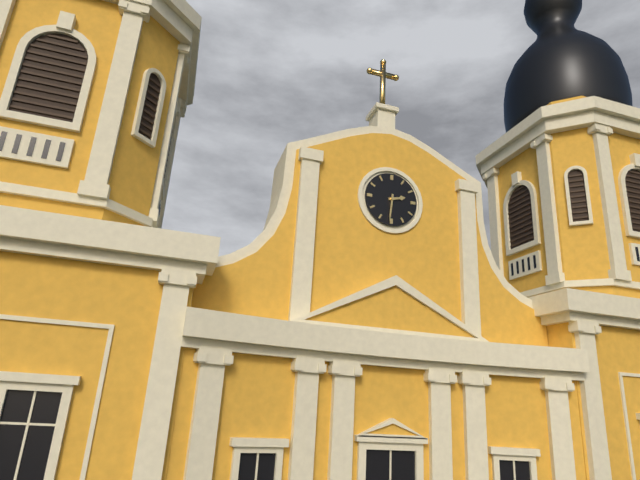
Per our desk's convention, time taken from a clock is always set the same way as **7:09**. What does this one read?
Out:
**2:31**
